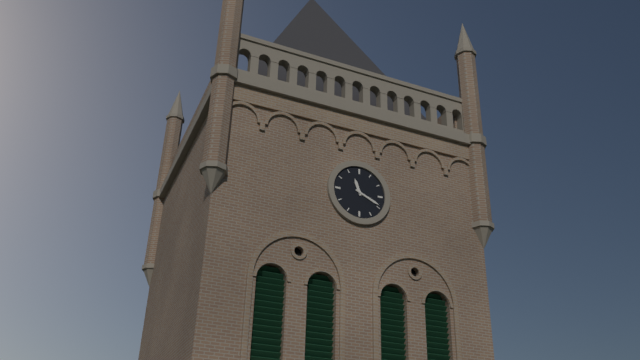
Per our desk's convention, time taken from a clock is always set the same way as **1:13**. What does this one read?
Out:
**11:19**
